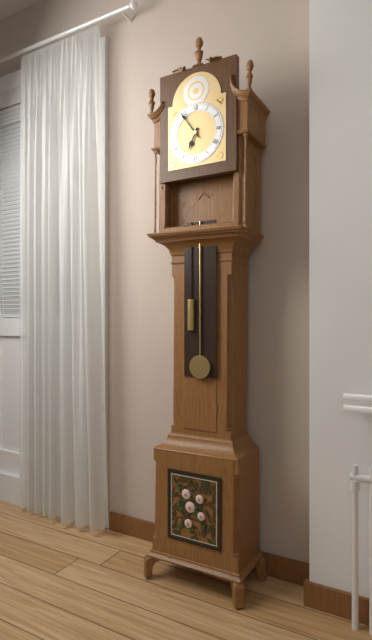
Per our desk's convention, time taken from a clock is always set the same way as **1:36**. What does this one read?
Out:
**6:54**
